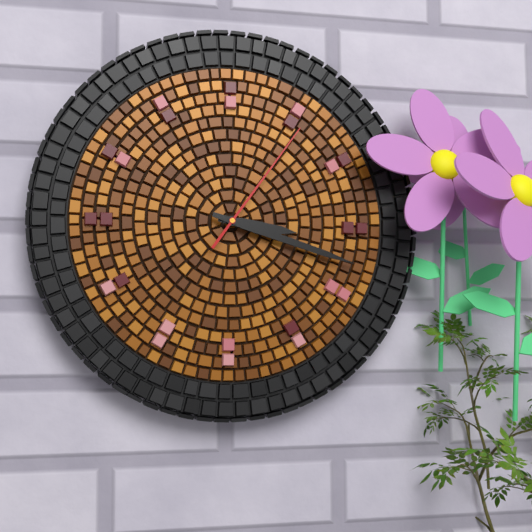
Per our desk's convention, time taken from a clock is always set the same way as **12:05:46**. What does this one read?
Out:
**3:18:06**
